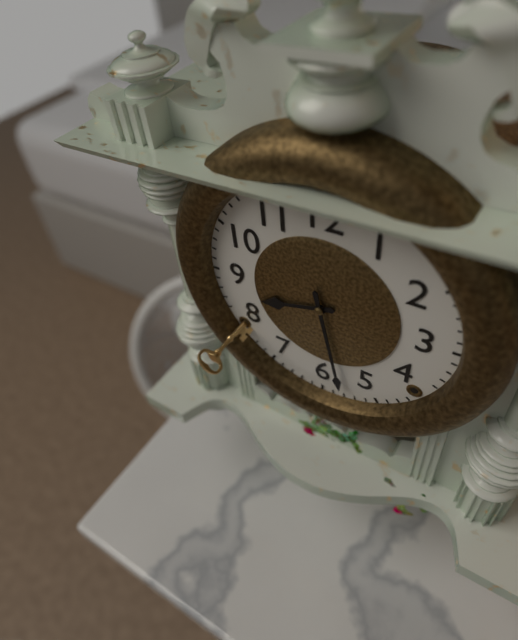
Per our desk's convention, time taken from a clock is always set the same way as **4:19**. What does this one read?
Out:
**8:28**
